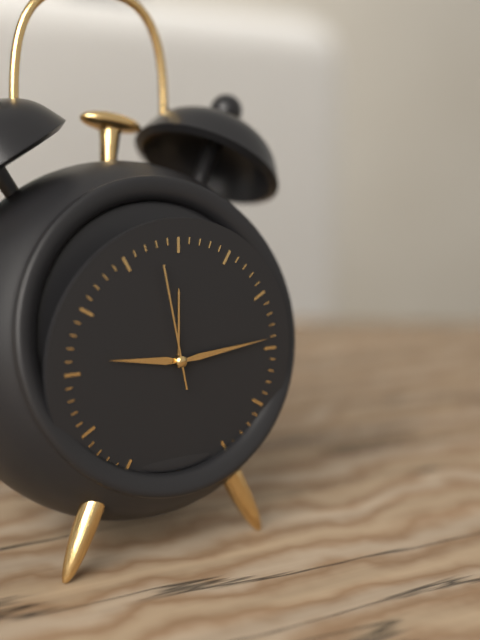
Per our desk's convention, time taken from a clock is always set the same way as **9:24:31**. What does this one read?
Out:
**9:14:58**
